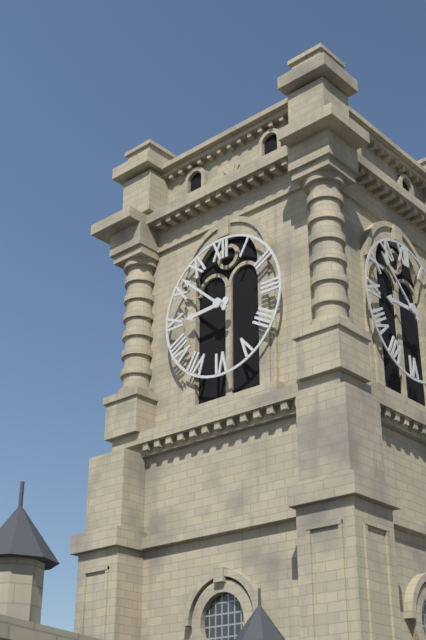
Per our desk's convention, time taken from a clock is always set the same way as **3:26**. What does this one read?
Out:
**8:52**
